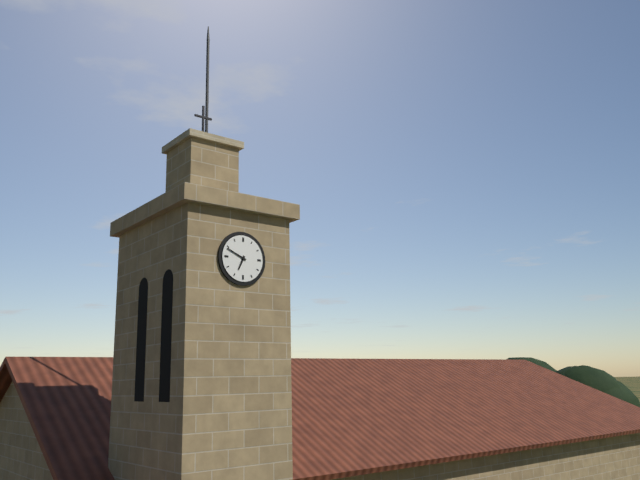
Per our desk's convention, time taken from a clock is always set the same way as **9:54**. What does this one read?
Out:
**6:49**
